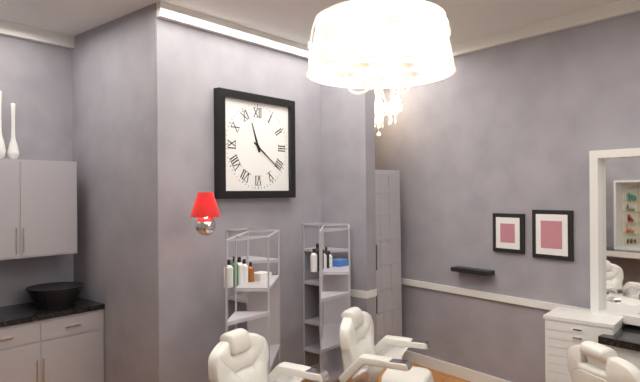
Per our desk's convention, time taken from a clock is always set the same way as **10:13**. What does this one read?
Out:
**11:21**
